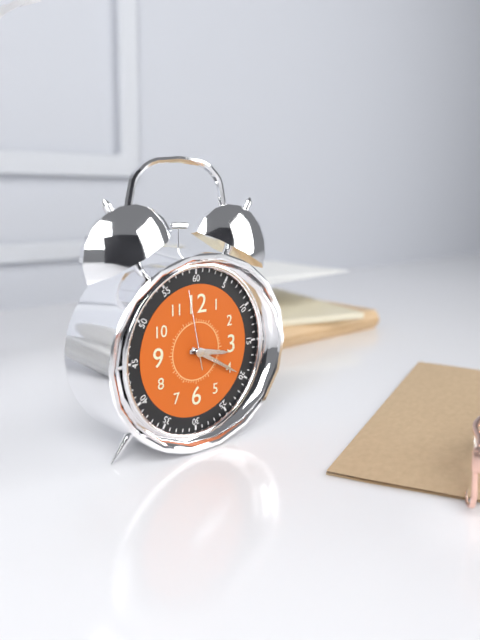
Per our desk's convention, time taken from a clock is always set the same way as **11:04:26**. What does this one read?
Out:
**3:20:58**
